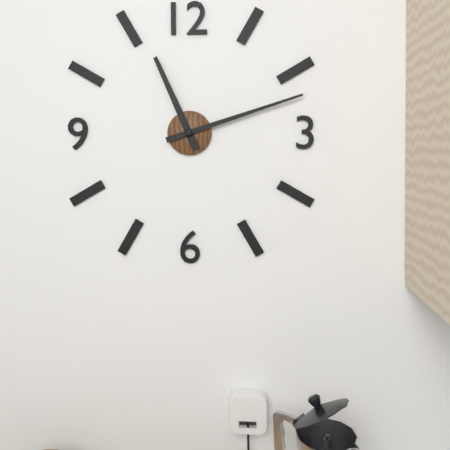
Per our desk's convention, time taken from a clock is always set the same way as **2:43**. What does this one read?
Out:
**11:12**
